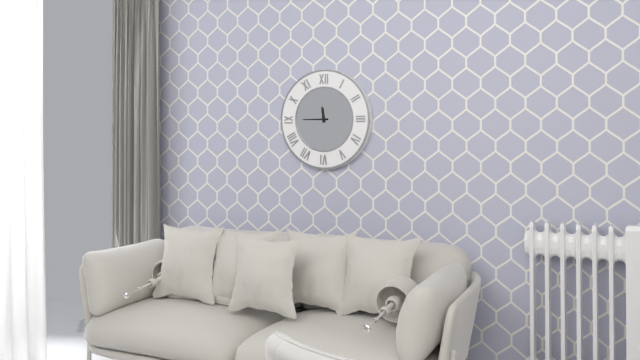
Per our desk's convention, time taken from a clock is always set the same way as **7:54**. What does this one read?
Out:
**11:45**
